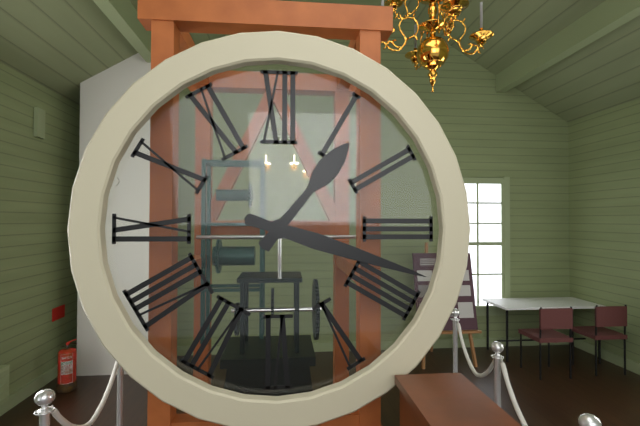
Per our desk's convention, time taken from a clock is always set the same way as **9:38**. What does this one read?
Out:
**1:18**
